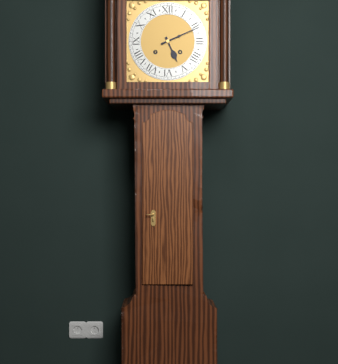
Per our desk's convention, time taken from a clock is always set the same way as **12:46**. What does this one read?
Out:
**5:11**
